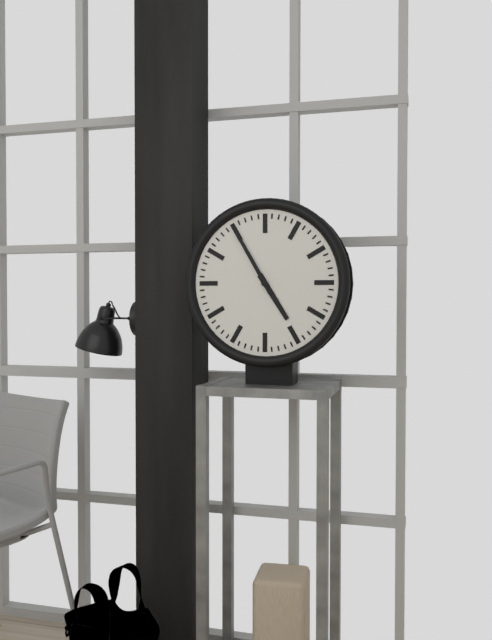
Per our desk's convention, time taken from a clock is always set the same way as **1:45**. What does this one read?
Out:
**4:55**
